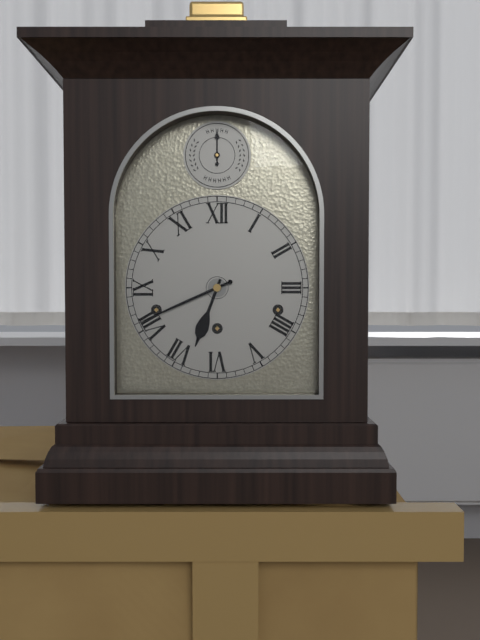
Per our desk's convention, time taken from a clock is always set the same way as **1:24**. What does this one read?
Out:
**6:41**
